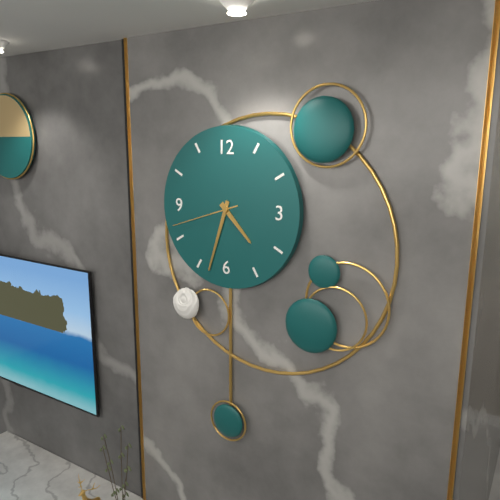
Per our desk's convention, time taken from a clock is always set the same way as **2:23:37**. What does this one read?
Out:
**4:33:42**
